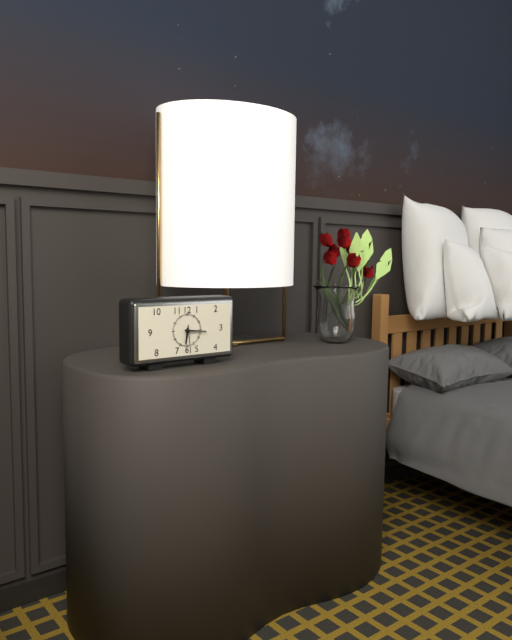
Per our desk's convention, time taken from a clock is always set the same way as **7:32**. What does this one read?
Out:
**6:16**
